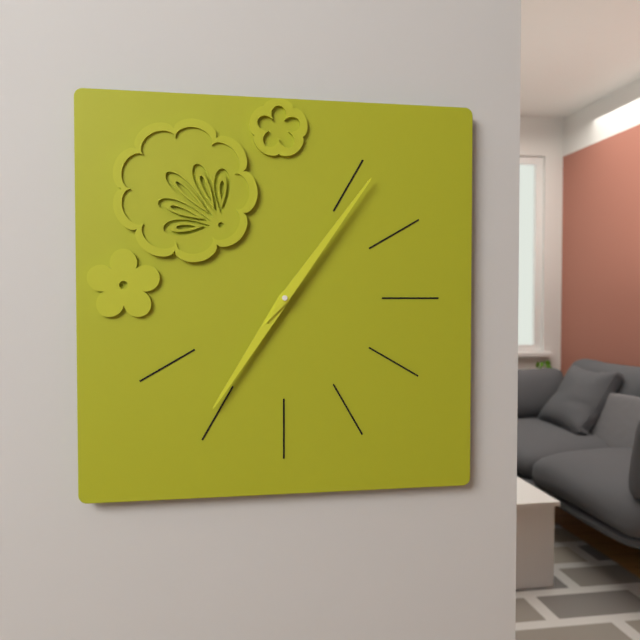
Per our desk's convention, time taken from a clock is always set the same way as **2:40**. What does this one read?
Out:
**7:06**
